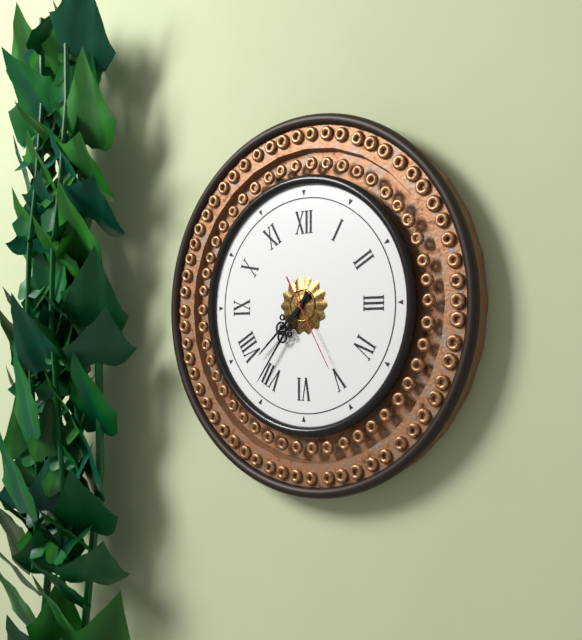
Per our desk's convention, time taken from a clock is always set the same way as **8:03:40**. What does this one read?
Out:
**7:36:25**
